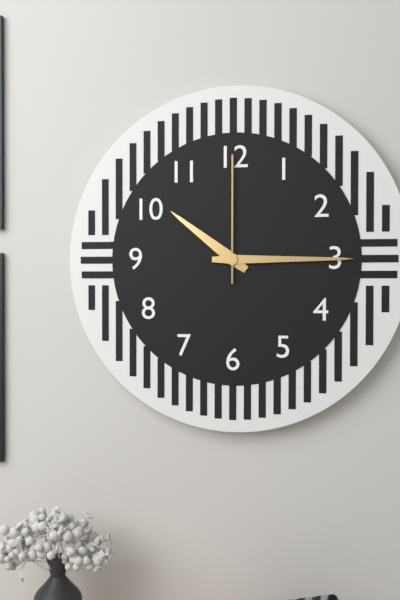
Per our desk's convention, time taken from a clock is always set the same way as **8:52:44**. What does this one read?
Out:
**10:15:00**
